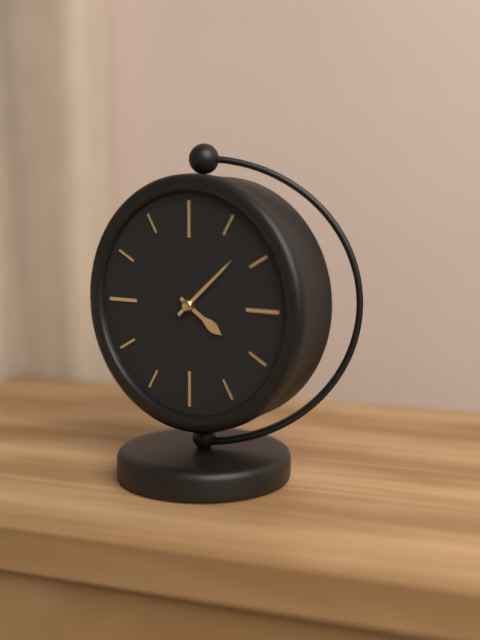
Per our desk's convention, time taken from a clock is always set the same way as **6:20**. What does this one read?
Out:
**4:08**
